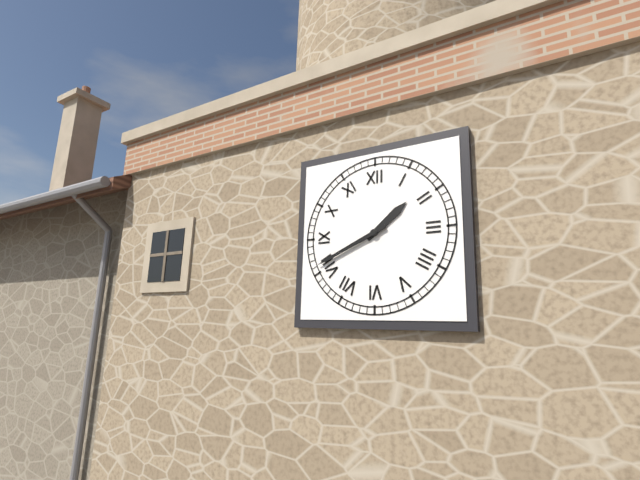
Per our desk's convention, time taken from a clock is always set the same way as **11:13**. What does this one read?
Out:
**1:41**
